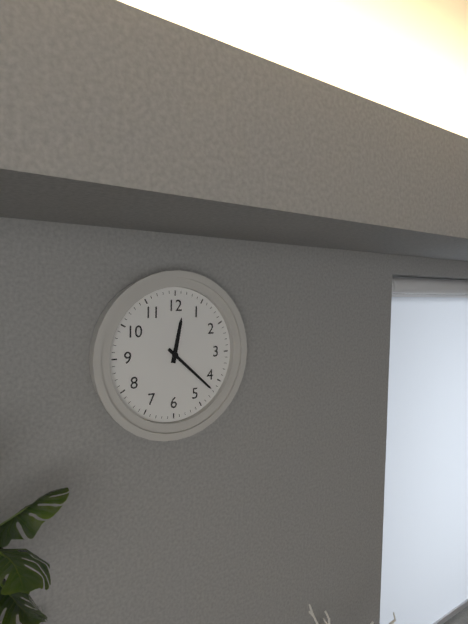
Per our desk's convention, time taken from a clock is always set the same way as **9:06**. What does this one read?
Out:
**12:22**
